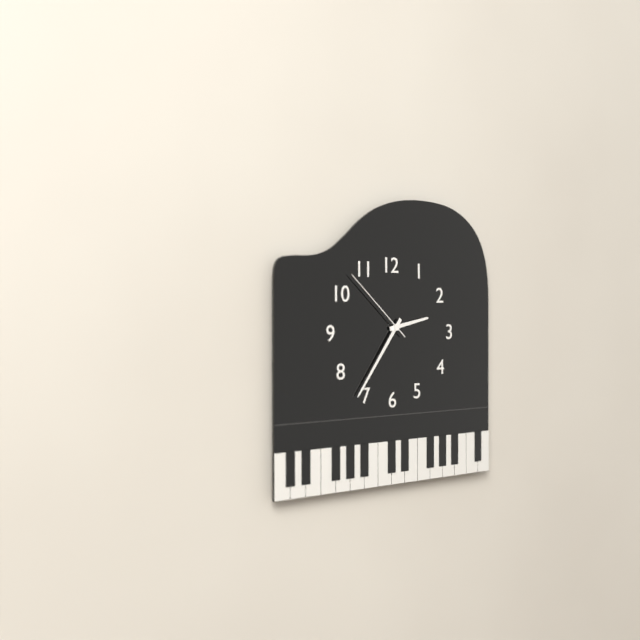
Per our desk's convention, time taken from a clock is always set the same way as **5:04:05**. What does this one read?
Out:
**2:36:52**
